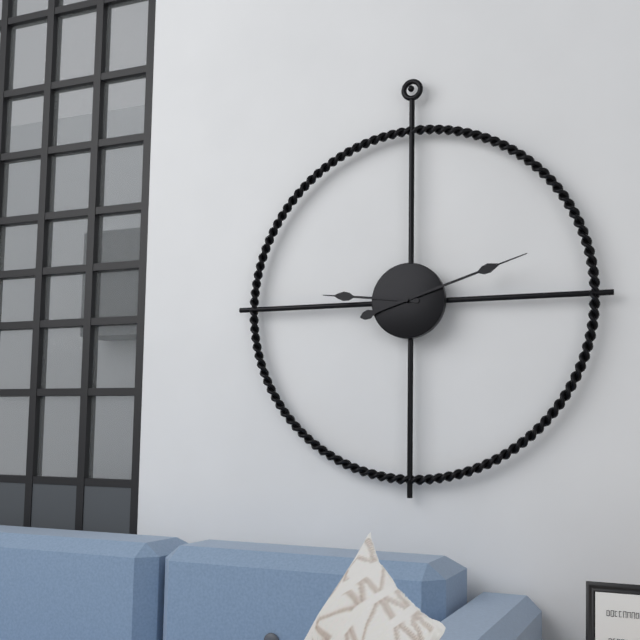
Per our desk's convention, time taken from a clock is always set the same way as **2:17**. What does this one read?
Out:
**9:12**
